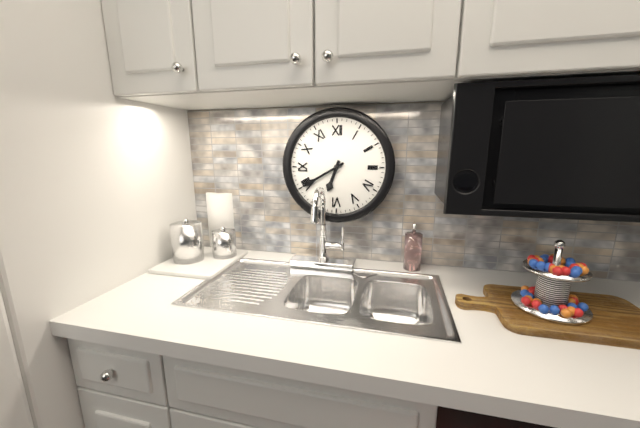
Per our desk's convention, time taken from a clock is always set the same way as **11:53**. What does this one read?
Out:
**6:40**
